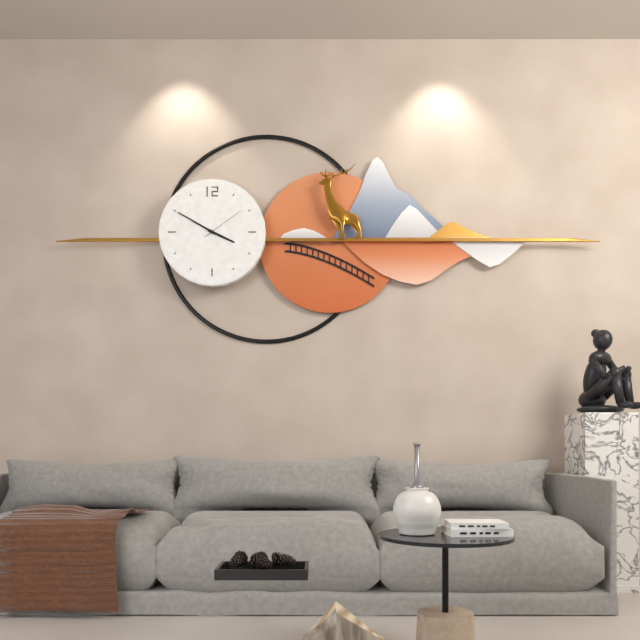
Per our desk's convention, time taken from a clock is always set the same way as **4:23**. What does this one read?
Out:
**3:50**
